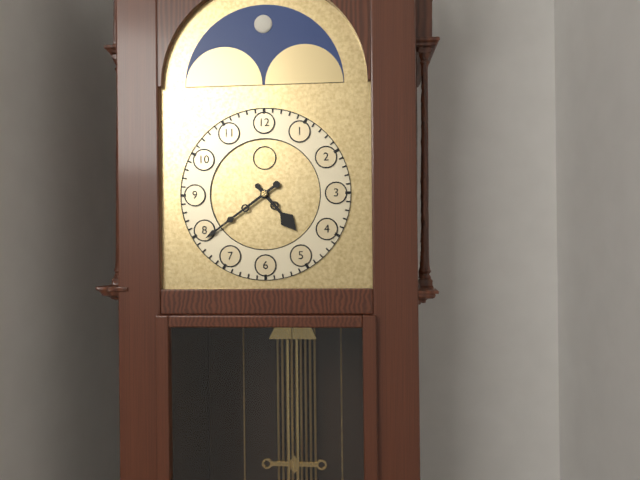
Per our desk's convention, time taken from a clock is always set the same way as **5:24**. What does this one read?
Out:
**4:39**
